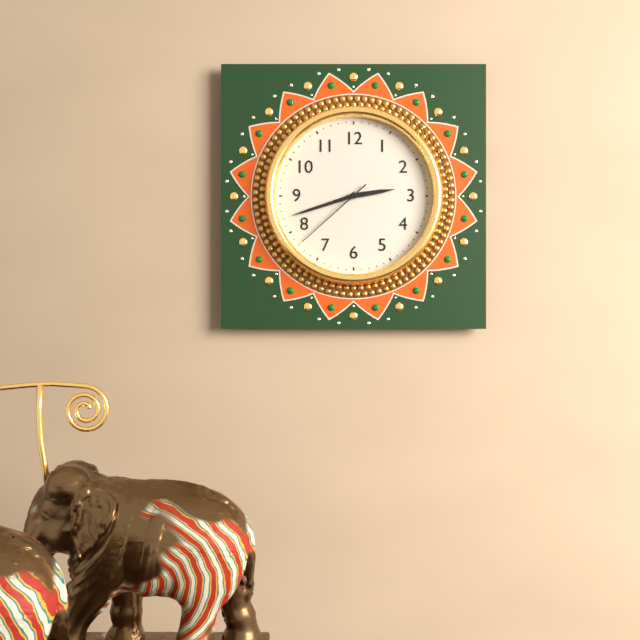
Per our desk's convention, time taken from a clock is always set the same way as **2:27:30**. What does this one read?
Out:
**2:42:38**
